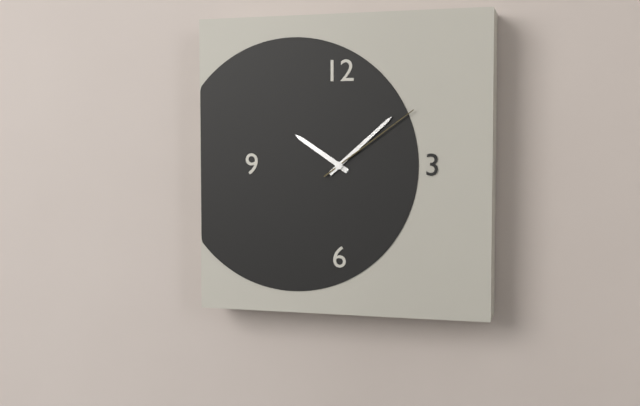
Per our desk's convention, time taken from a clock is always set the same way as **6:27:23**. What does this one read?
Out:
**10:08:09**
